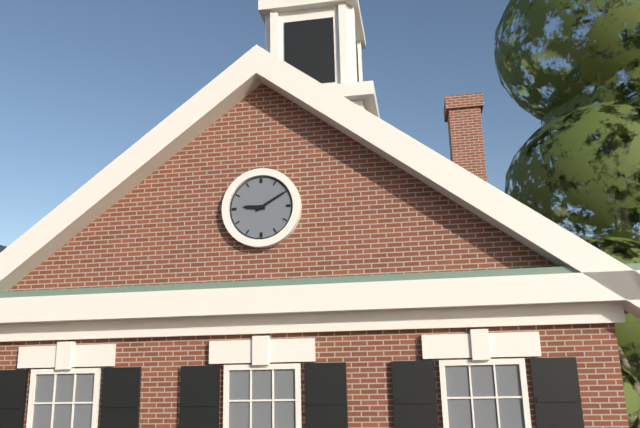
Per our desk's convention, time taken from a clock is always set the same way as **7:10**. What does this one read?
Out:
**9:10**
